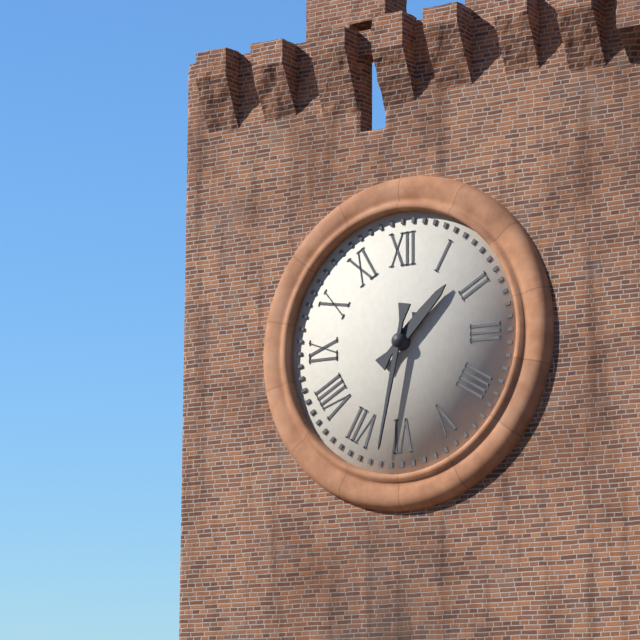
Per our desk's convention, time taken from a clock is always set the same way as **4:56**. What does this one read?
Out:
**1:32**
